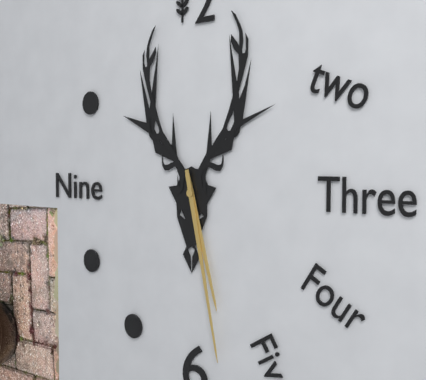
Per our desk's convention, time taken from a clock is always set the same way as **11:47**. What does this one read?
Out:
**5:28**
